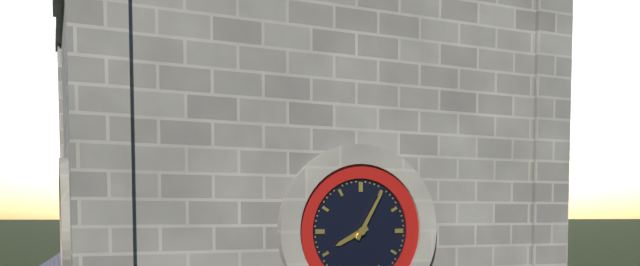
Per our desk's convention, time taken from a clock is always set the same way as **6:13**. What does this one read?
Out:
**8:05**
